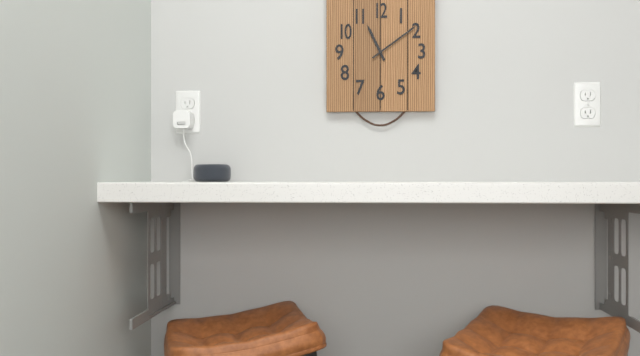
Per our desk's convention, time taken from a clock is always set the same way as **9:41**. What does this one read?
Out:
**11:09**
